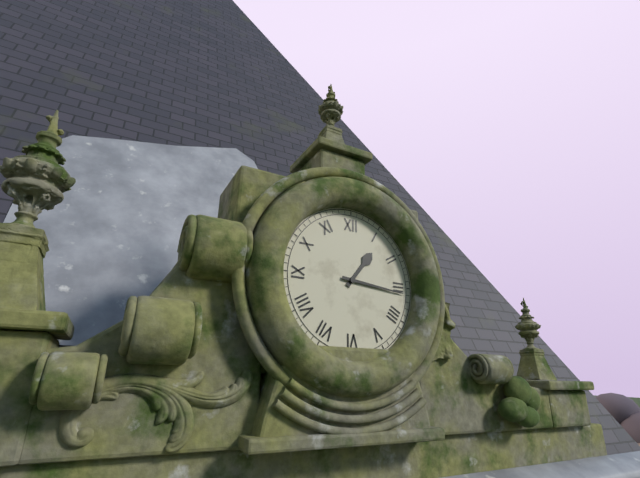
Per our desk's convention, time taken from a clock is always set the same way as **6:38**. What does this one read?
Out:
**1:16**
